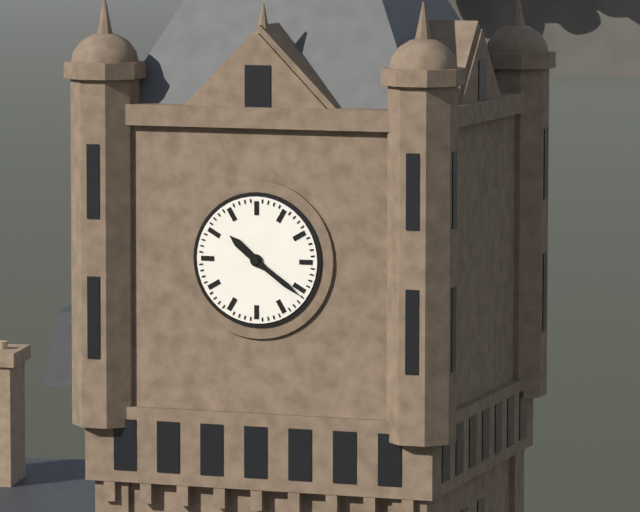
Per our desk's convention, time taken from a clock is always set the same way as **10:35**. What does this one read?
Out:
**10:21**
